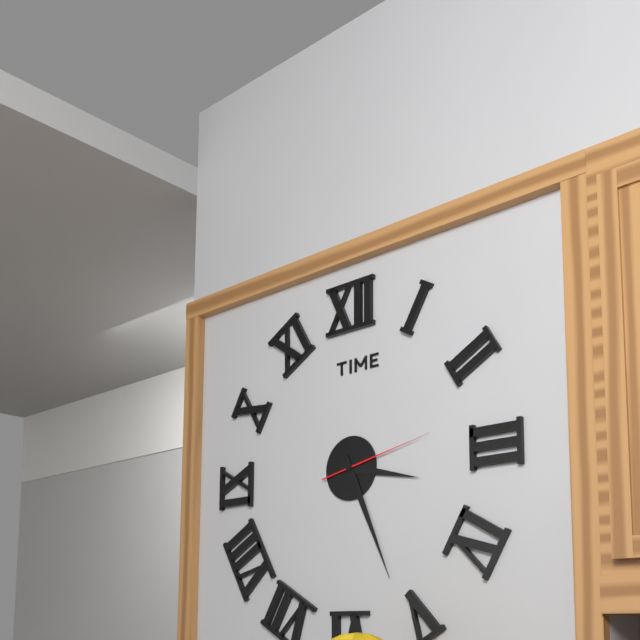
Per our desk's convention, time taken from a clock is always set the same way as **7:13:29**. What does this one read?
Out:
**3:26:13**
